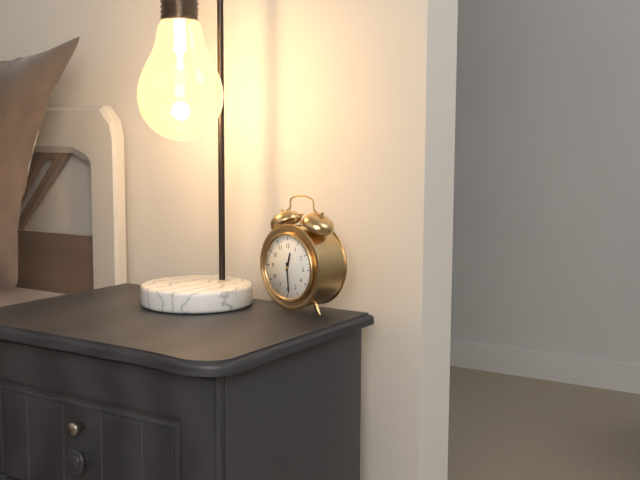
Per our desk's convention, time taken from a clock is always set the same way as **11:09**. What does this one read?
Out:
**12:29**
